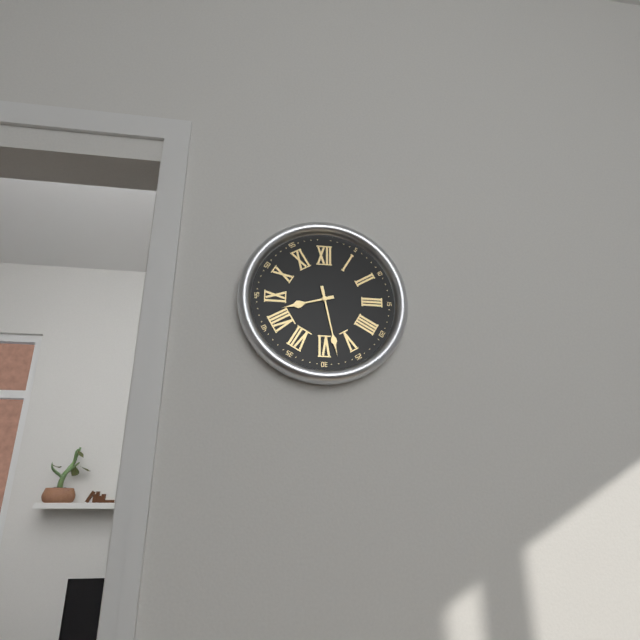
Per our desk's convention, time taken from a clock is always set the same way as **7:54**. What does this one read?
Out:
**8:28**
